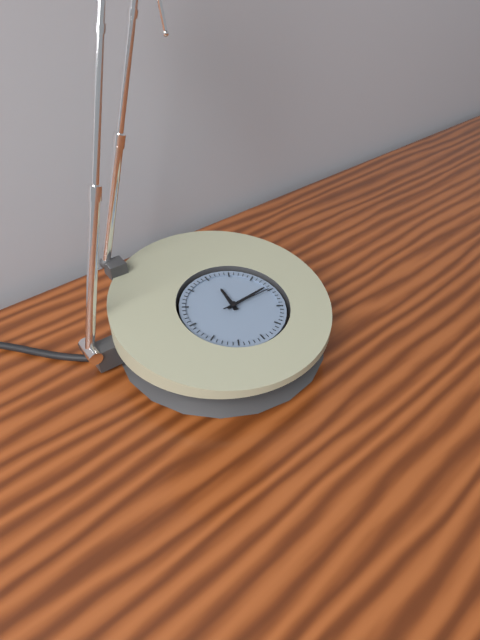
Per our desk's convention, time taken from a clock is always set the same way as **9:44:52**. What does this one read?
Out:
**12:14:15**
